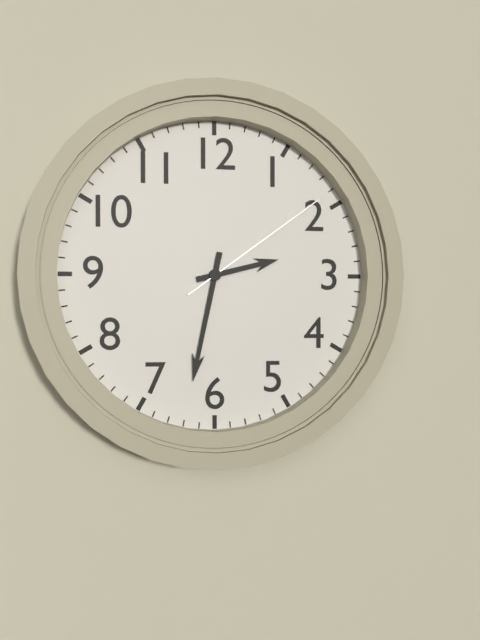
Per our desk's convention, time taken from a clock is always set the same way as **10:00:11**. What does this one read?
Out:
**2:32:09**
